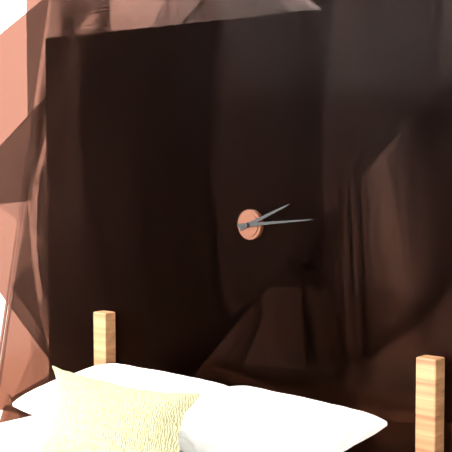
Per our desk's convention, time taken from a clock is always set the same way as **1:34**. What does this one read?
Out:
**2:14**
